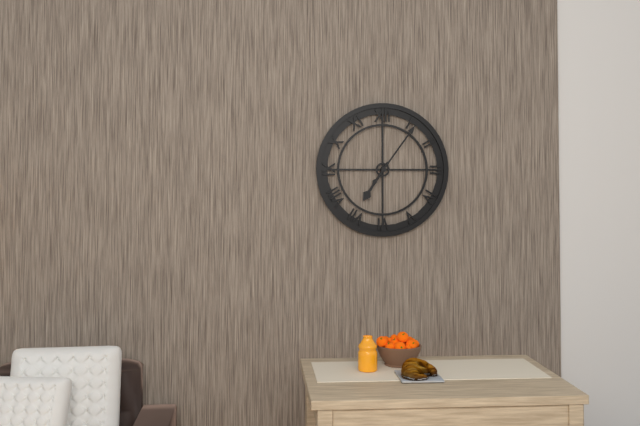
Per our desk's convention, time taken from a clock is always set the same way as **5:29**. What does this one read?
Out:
**7:06**
